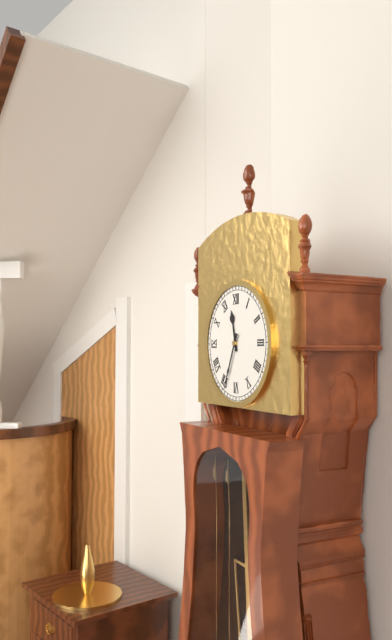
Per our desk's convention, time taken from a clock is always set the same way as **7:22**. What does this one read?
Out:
**11:34**
